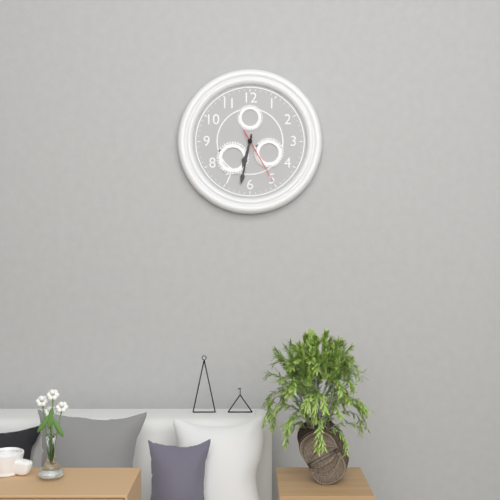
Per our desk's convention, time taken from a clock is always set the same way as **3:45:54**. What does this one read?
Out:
**6:32:25**
